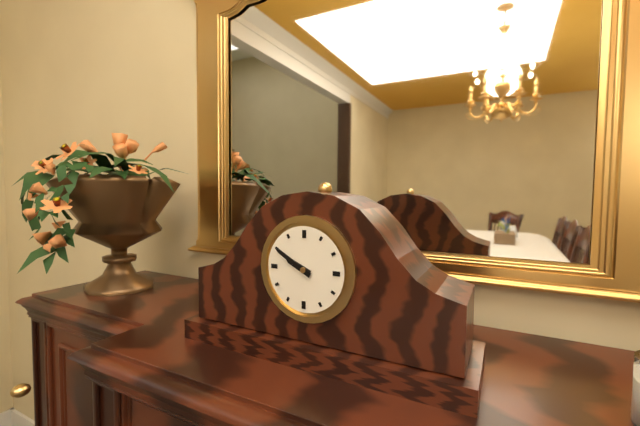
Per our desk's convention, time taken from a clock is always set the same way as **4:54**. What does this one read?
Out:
**9:50**
